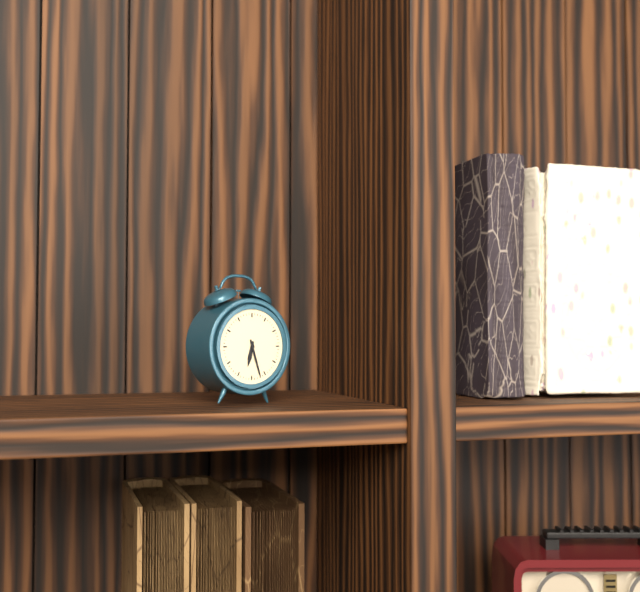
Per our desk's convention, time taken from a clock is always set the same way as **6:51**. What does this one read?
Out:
**6:27**
